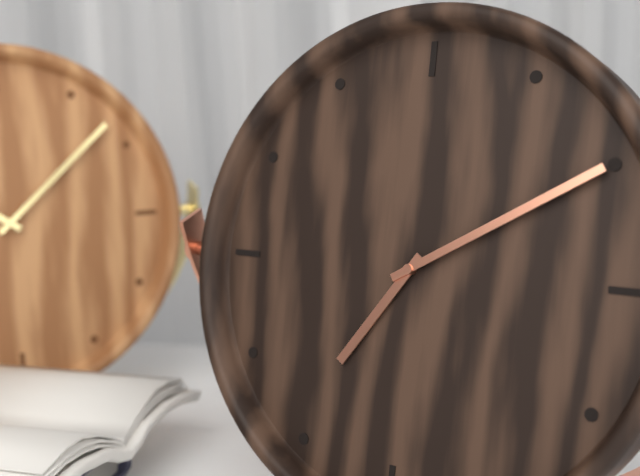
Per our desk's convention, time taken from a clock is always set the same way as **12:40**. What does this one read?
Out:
**7:10**
